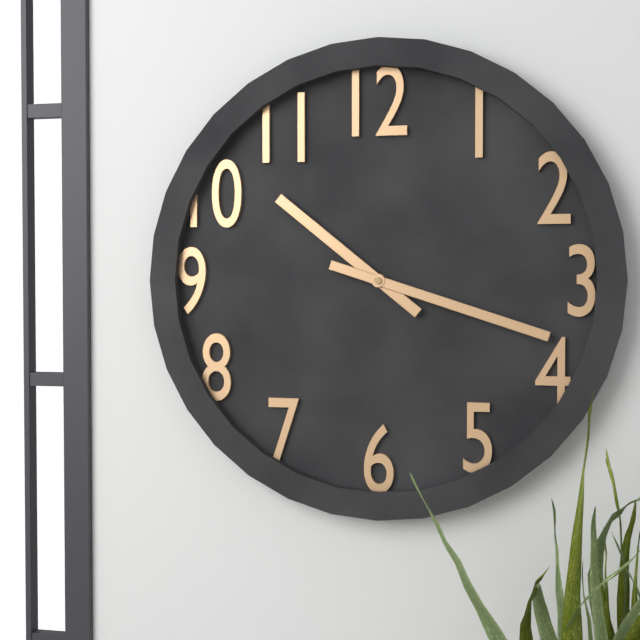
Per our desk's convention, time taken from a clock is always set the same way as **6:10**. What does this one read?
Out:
**10:18**
